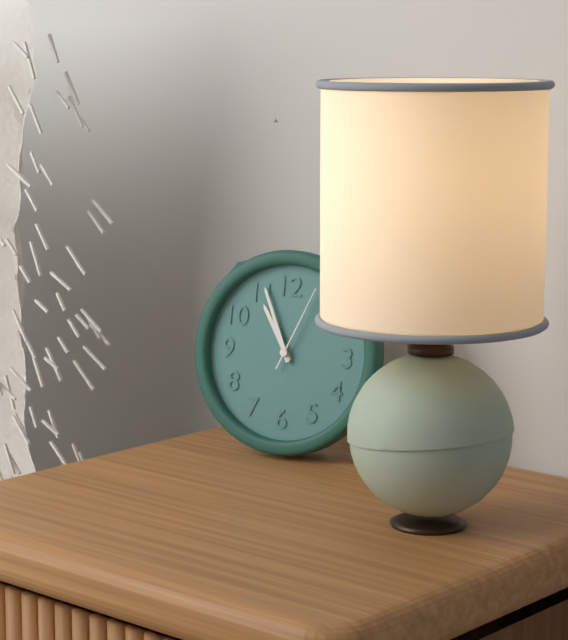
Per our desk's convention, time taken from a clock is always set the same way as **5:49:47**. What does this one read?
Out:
**10:56:04**
